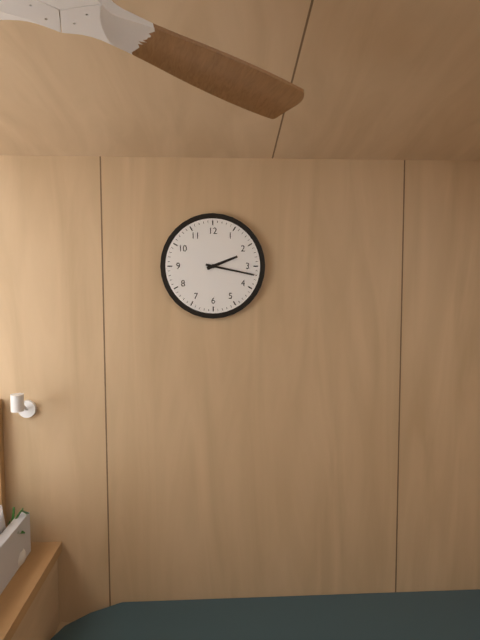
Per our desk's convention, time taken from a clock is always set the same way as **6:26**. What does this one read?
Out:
**2:17**
